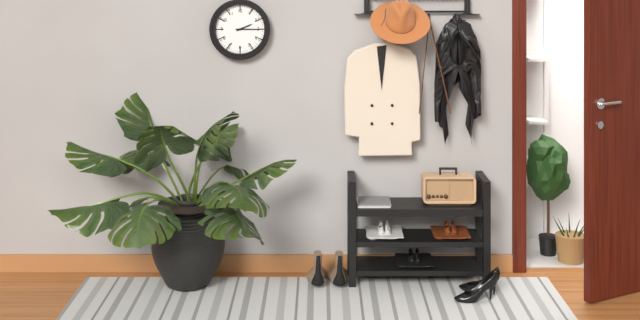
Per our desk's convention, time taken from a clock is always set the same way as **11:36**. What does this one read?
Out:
**2:15**
